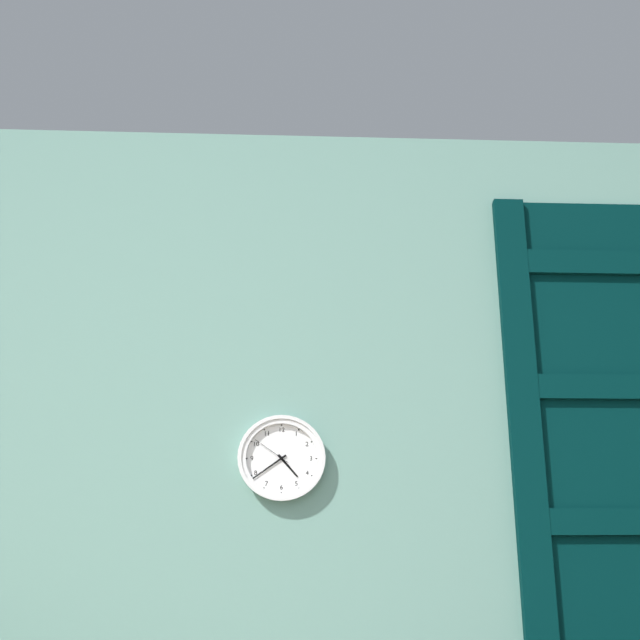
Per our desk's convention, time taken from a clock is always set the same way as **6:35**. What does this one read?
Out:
**4:39**
